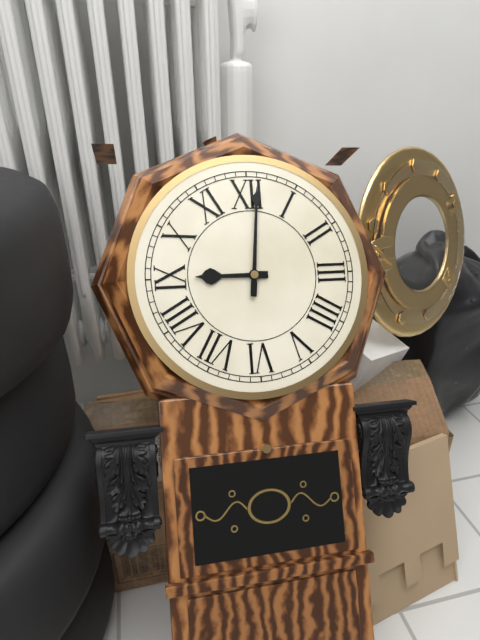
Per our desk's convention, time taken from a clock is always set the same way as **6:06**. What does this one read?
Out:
**9:01**
